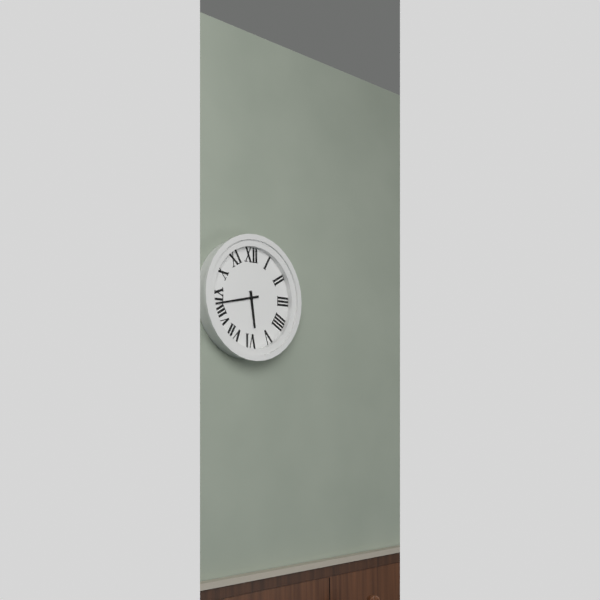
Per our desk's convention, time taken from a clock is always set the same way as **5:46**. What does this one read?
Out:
**5:43**
